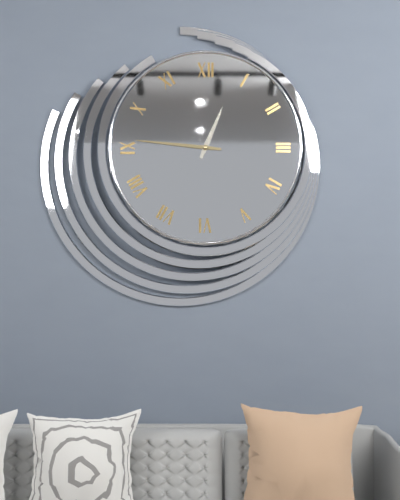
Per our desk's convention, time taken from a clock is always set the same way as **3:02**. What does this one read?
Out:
**12:46**
